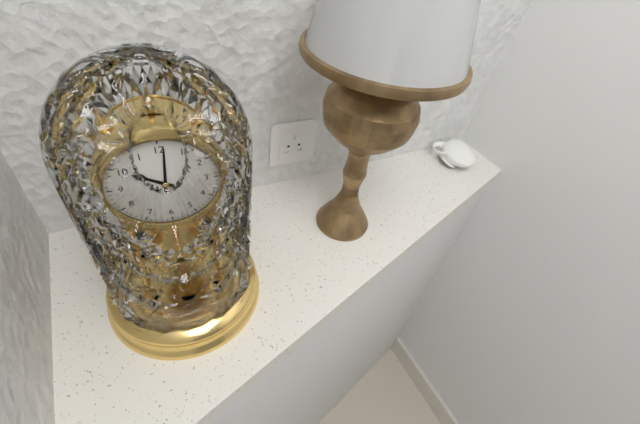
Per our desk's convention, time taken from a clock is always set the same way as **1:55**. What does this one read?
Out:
**10:01**
